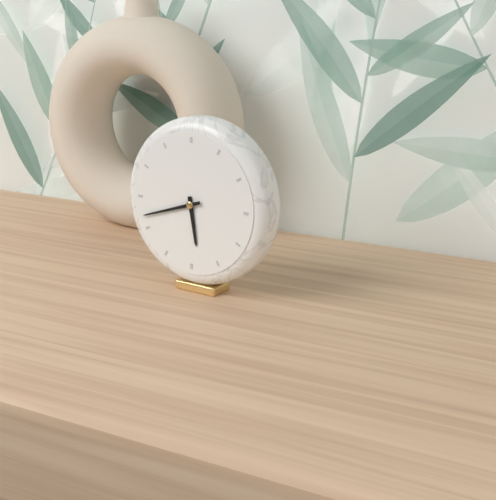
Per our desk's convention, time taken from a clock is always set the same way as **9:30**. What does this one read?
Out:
**5:42**
